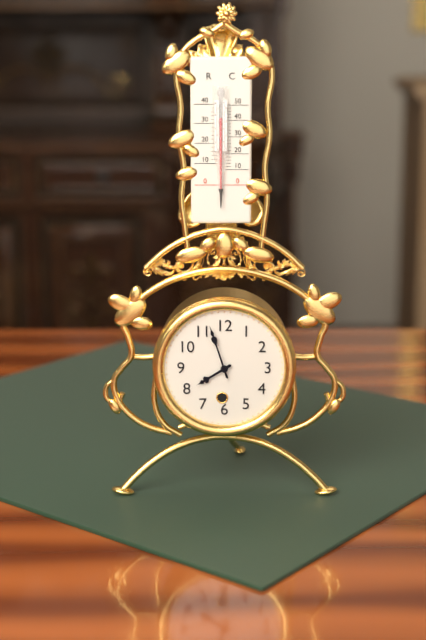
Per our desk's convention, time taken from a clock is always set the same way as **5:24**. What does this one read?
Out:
**7:57**
